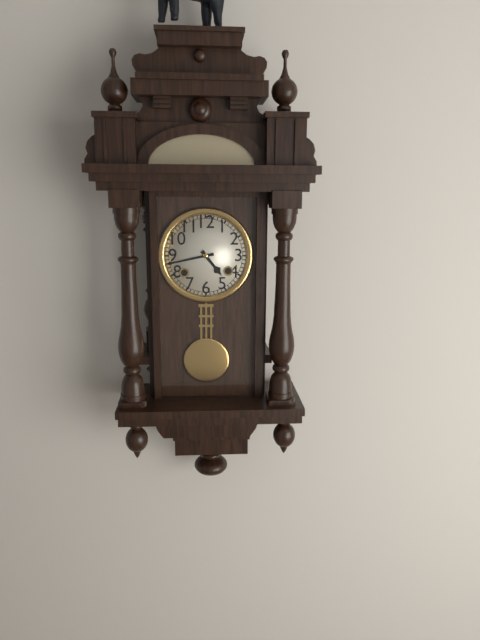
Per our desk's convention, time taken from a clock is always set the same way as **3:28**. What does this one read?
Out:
**4:43**
